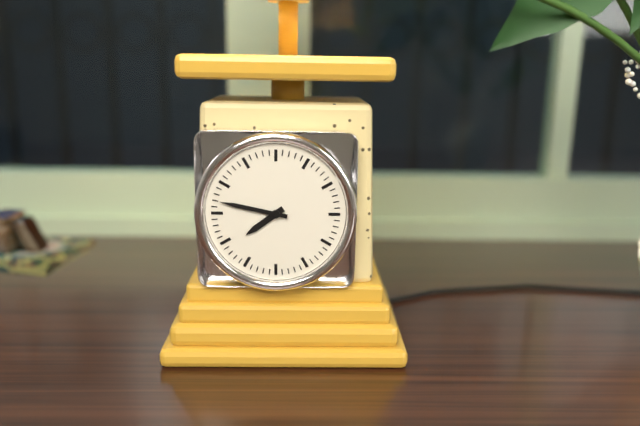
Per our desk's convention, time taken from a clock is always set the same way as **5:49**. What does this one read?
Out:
**7:47**
